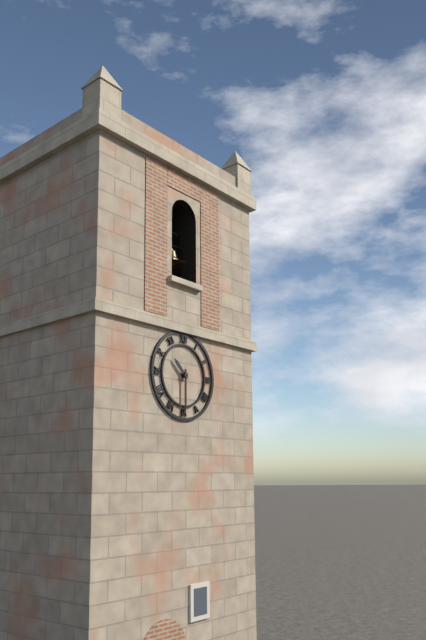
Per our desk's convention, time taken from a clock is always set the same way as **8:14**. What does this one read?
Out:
**10:30**
